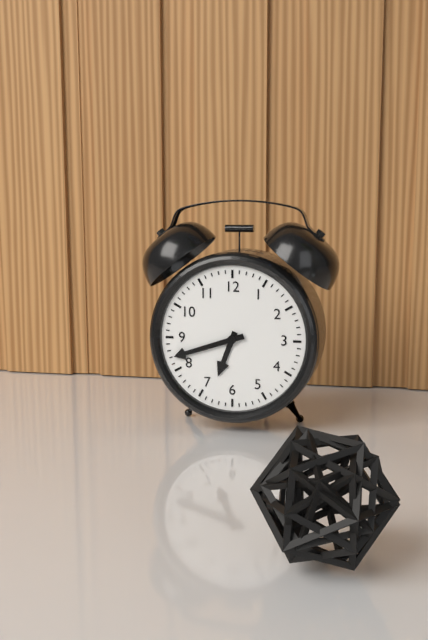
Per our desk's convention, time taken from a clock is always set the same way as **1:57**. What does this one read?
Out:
**6:42**
